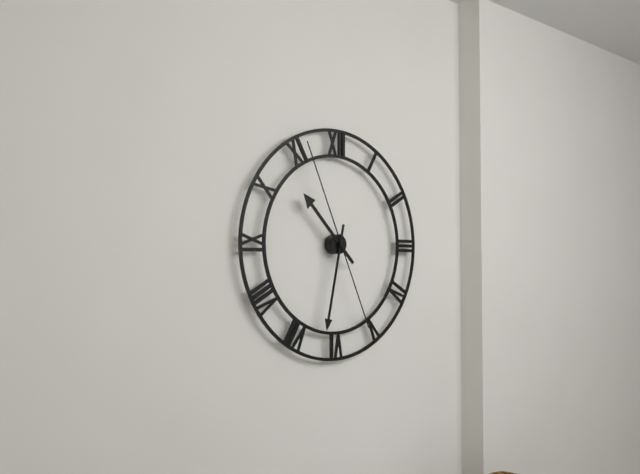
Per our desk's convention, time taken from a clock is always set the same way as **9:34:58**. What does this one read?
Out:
**10:32:56**
